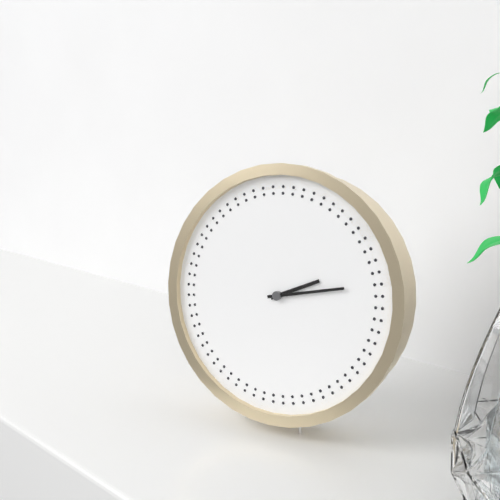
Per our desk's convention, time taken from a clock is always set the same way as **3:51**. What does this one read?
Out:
**2:13**
